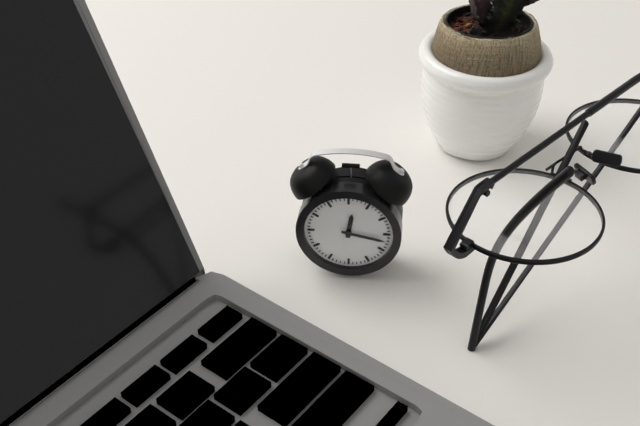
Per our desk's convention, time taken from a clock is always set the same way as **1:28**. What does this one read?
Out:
**12:17**
